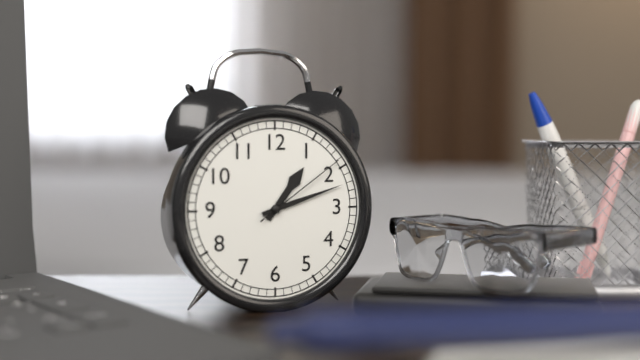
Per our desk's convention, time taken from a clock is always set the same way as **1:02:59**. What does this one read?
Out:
**1:12:09**
